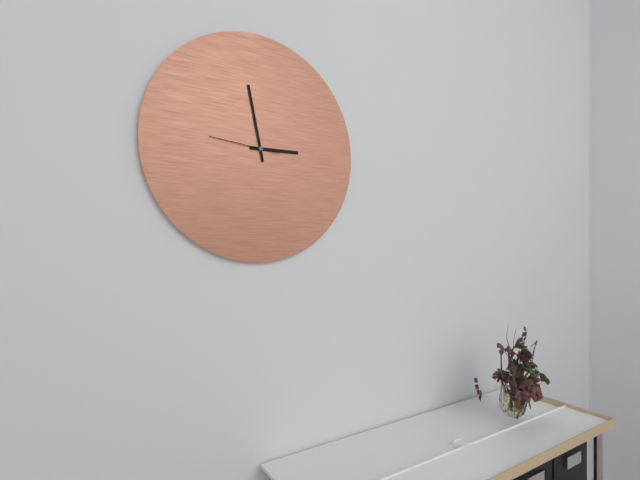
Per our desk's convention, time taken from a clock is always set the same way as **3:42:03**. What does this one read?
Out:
**2:58:46**
